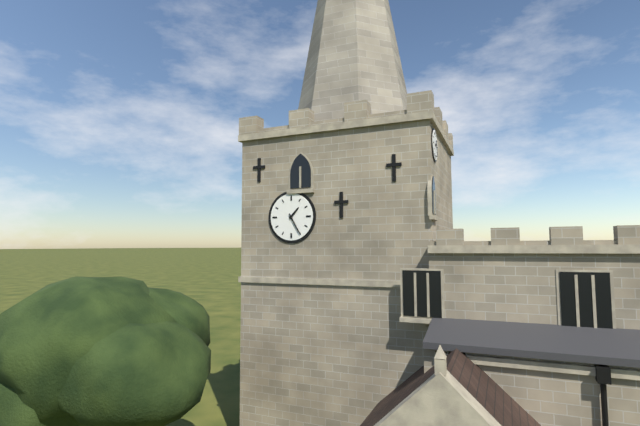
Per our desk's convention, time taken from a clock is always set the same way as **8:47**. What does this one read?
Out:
**1:25**
